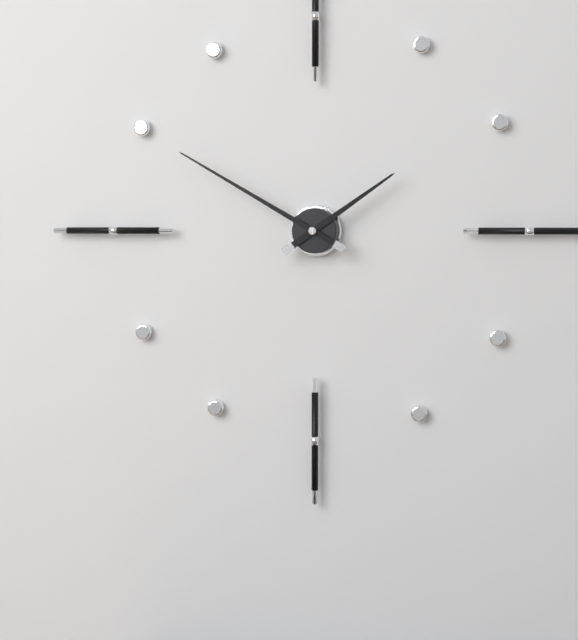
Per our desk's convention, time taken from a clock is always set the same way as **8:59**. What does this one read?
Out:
**1:50**
